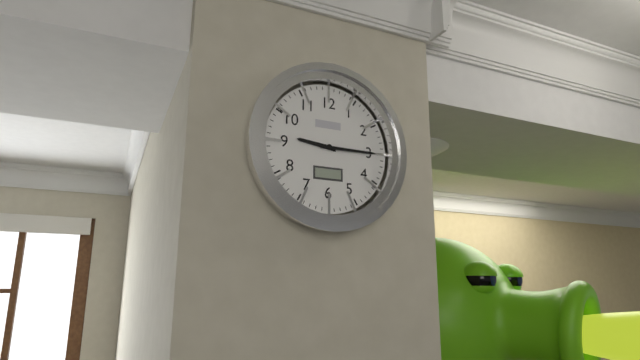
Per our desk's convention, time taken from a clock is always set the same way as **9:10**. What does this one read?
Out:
**9:15**
